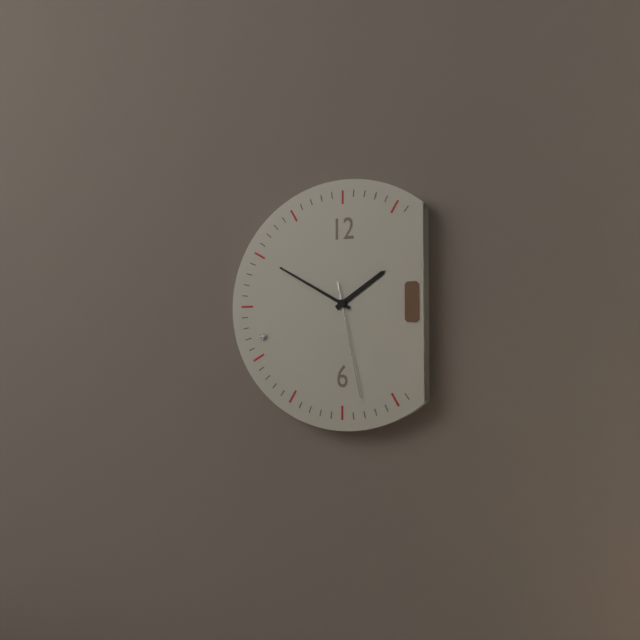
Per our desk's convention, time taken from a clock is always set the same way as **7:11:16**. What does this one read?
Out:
**1:50:28**
